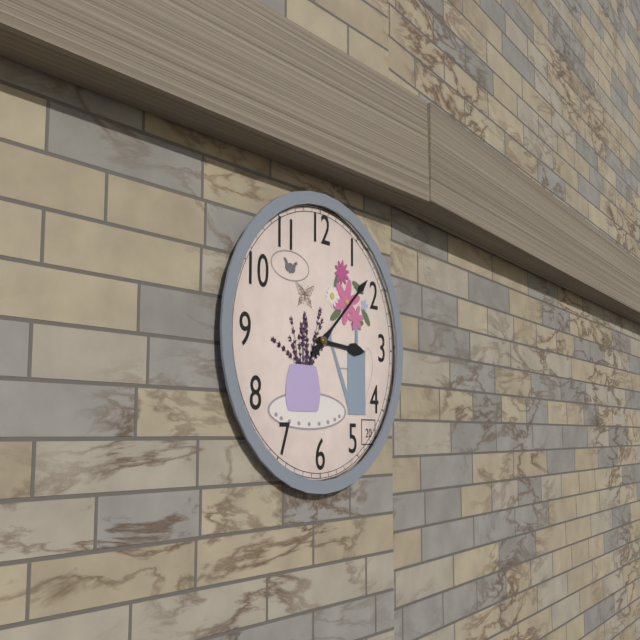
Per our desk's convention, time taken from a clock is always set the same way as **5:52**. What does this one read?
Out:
**3:08**
